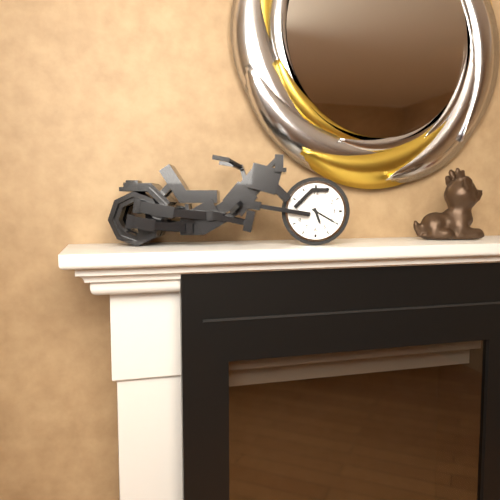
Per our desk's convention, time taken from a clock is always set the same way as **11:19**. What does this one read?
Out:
**5:20**
